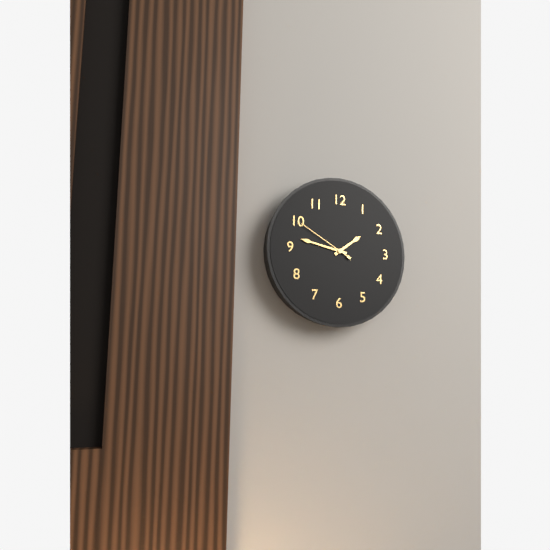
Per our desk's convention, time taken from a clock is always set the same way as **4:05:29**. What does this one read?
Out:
**1:47:50**
